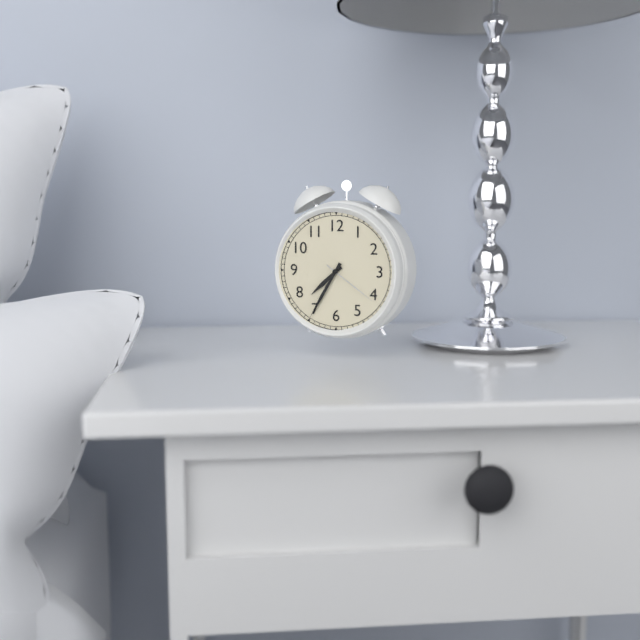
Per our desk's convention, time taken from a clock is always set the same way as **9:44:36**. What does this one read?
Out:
**7:35:21**
